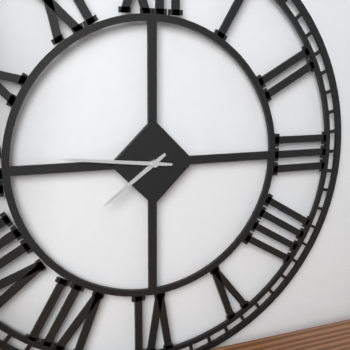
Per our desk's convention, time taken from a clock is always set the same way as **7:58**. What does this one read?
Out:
**7:46**
